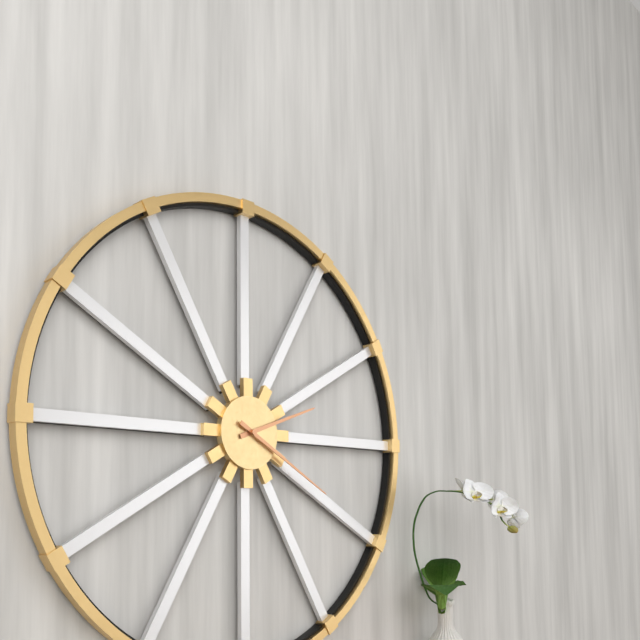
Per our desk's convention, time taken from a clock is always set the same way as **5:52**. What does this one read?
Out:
**2:20**
